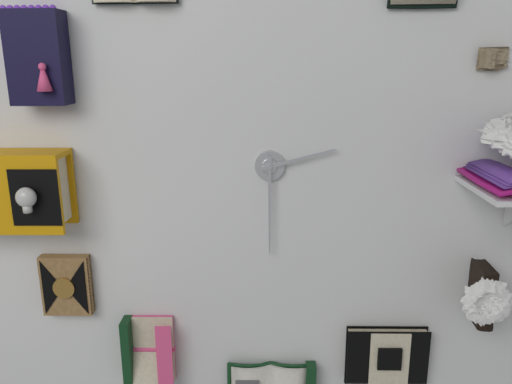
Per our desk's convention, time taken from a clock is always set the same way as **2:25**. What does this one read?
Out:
**2:30**
